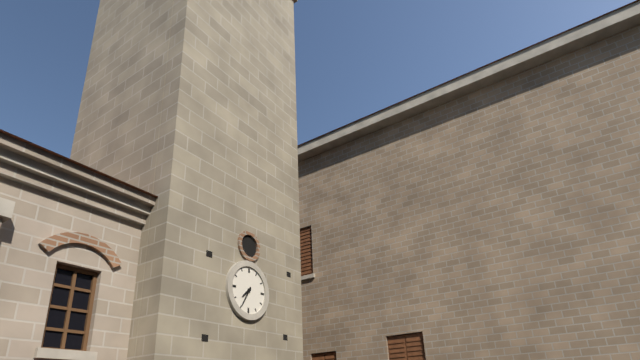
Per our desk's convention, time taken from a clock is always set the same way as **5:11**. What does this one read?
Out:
**7:35**
